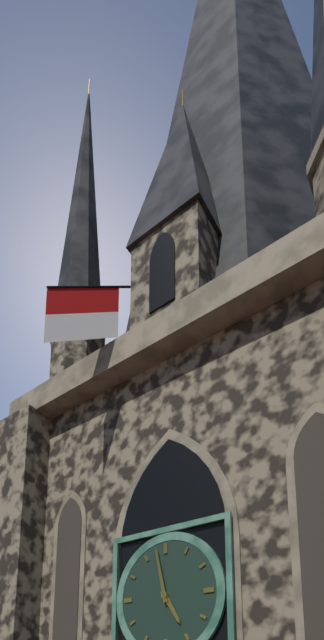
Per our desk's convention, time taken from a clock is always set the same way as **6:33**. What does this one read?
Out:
**4:58**
